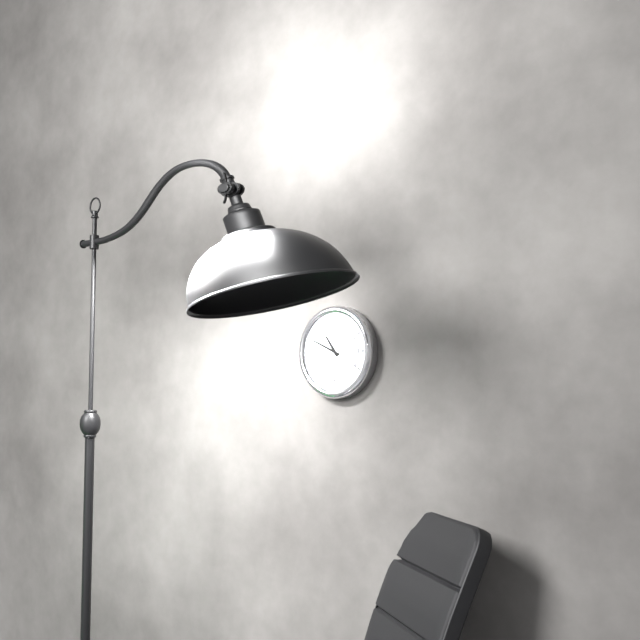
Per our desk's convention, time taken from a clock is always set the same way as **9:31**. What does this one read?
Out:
**10:49**
